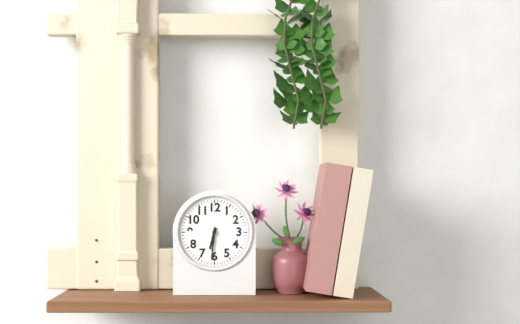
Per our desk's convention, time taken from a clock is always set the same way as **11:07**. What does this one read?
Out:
**6:31**
